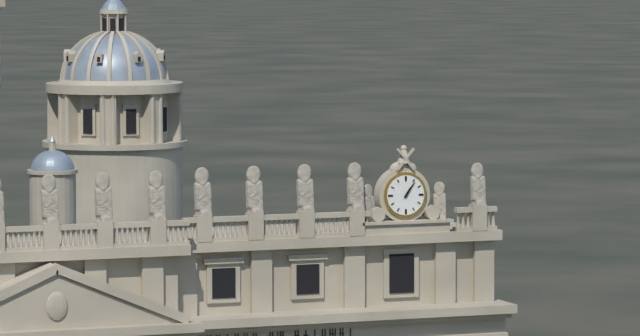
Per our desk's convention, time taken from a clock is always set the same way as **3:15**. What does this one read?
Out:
**1:06**
